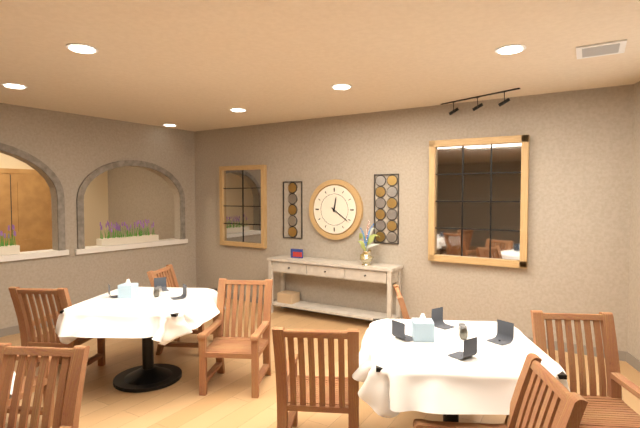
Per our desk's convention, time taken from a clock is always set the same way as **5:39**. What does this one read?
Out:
**12:21**
